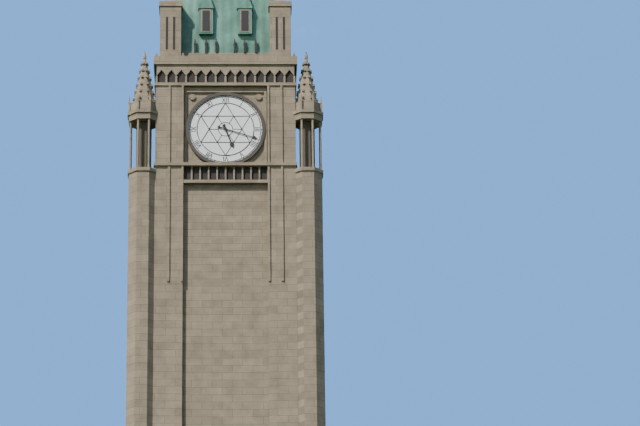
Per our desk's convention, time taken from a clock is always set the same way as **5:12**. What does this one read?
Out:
**5:18**
